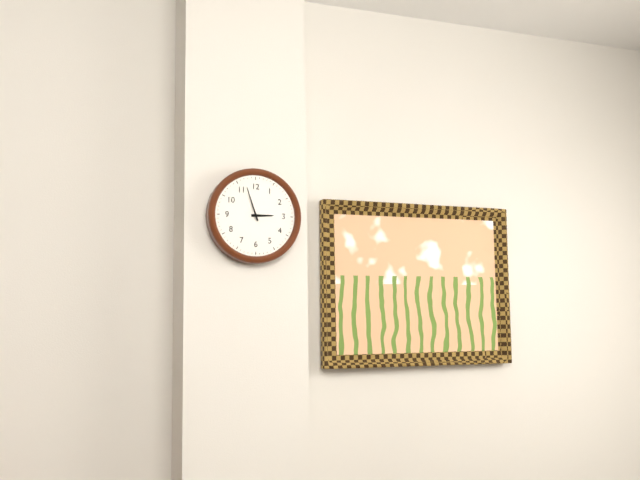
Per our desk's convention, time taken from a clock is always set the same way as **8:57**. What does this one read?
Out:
**2:57**
